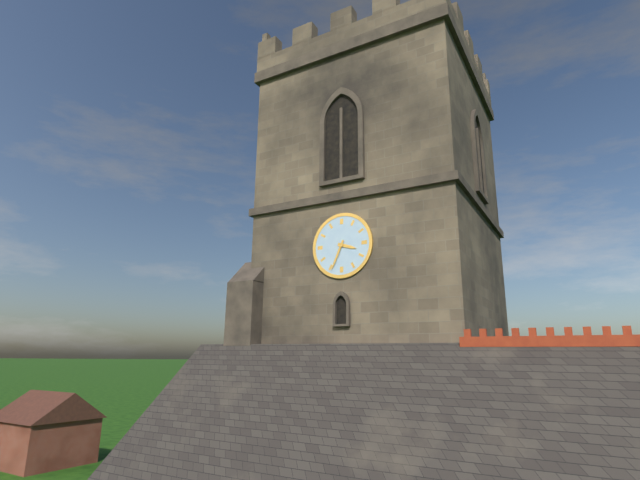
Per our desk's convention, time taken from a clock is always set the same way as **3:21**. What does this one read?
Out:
**3:34**
